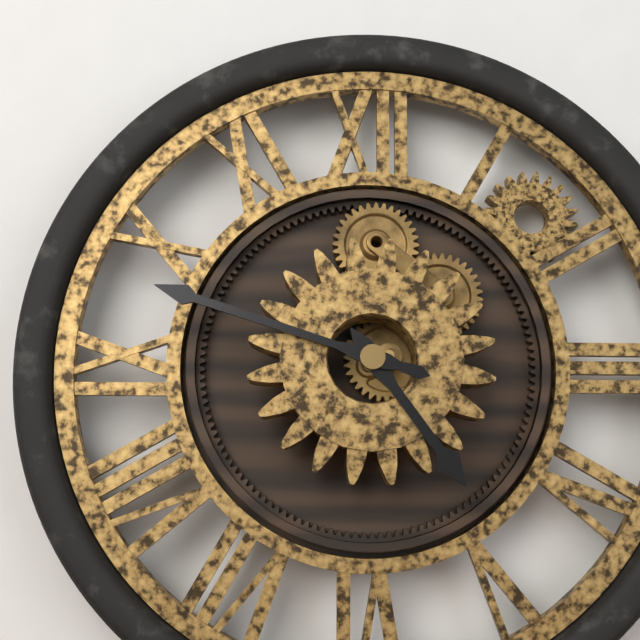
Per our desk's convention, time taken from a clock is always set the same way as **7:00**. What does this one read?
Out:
**4:48**
